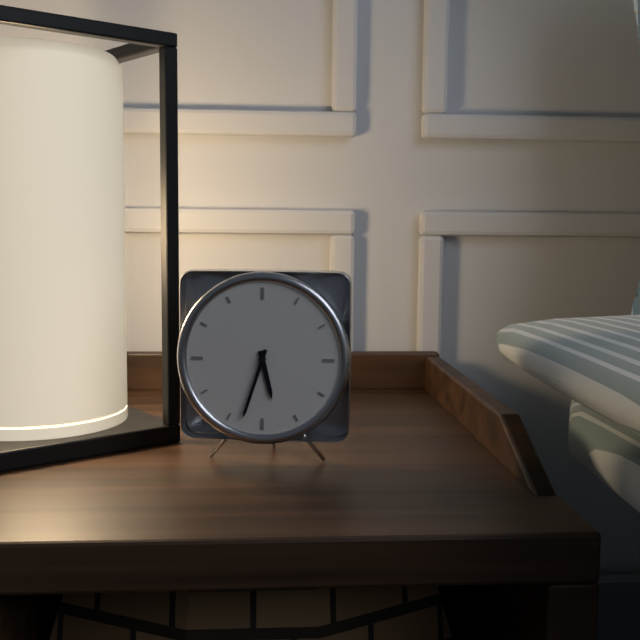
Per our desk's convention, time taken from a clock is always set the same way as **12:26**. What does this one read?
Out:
**5:33**
